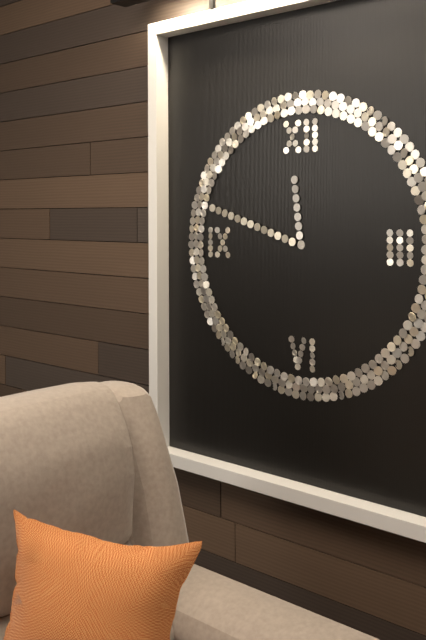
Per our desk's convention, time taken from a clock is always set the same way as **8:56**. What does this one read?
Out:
**11:48**
